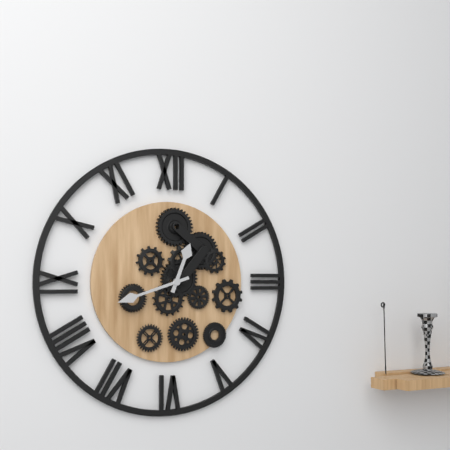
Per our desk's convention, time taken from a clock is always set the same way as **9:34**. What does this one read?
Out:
**12:42**
